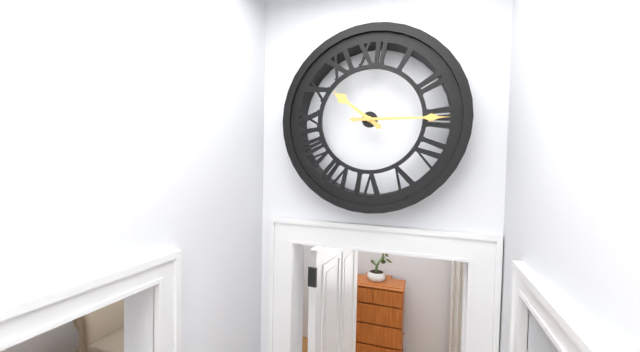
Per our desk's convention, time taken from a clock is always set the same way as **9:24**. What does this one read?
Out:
**10:15**
